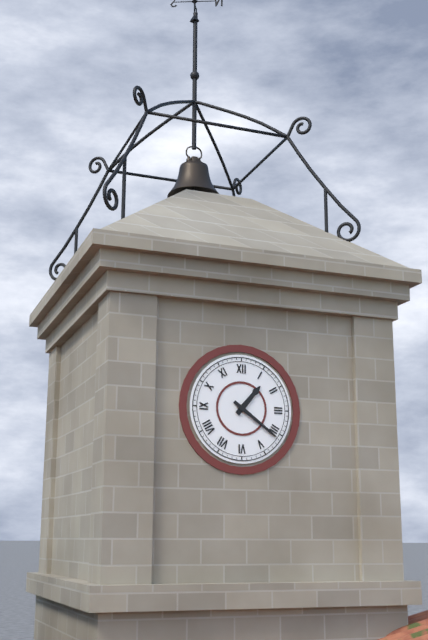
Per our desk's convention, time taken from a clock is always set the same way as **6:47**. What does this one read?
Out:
**1:21**
